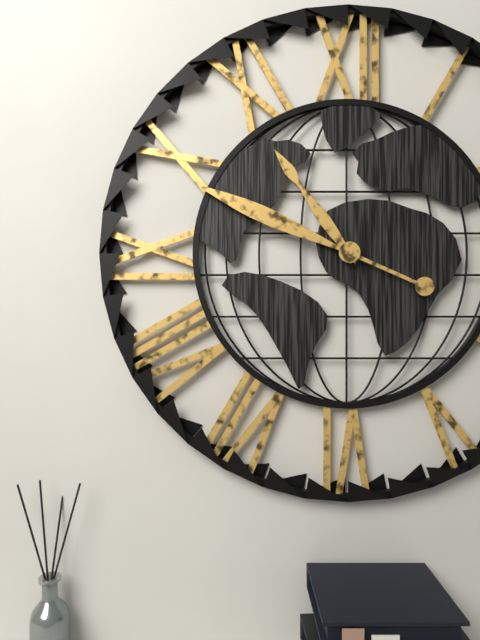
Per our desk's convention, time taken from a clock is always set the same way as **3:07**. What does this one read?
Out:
**10:49**
